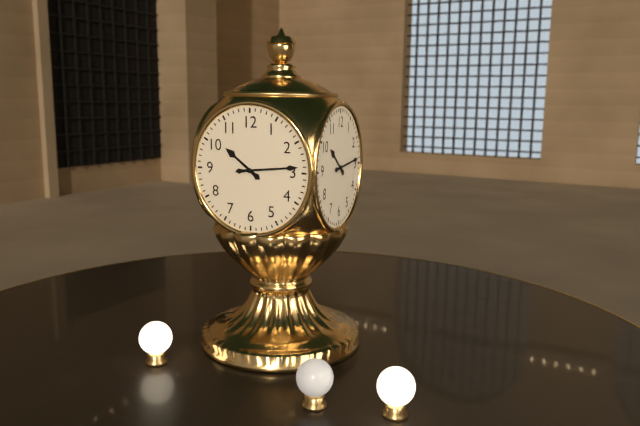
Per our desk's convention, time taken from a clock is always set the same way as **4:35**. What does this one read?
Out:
**10:14**
